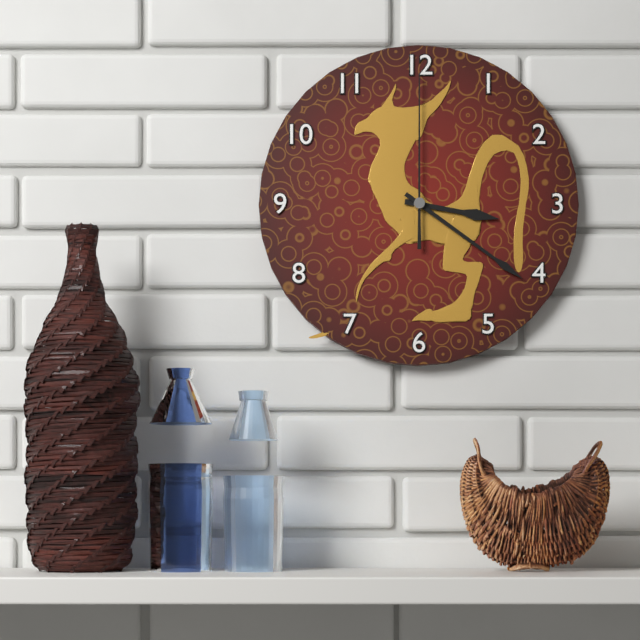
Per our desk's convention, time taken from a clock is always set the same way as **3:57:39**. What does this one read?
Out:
**3:21:00**
